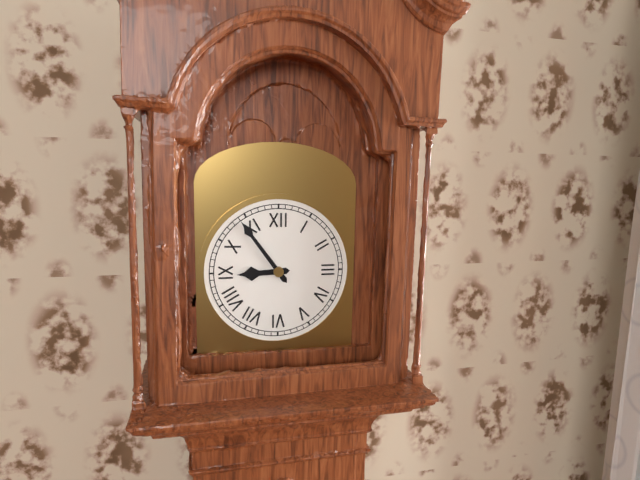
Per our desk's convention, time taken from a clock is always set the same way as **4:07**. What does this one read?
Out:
**8:54**
